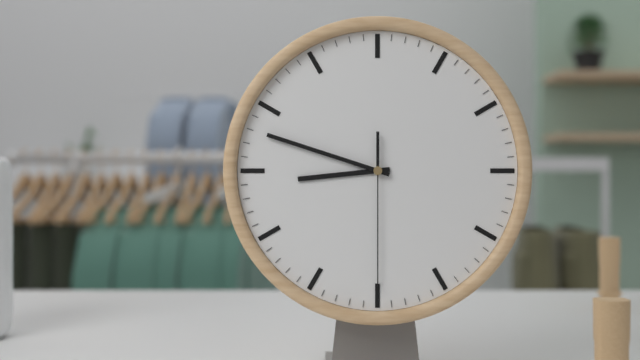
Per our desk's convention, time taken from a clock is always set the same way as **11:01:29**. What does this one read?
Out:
**8:48:30**
